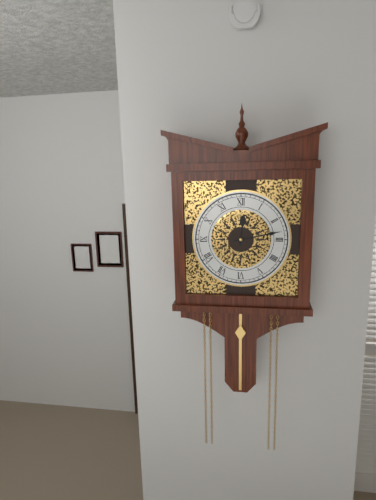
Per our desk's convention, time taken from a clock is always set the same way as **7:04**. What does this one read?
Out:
**12:13**
